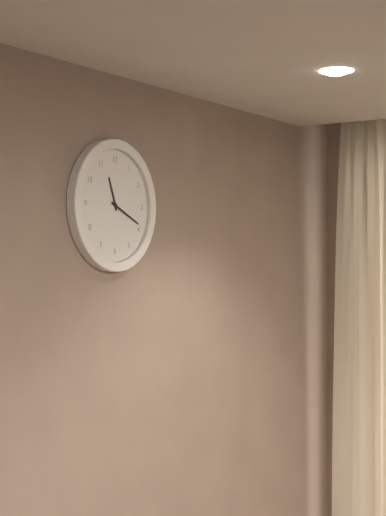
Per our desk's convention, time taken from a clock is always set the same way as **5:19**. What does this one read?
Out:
**11:19**
